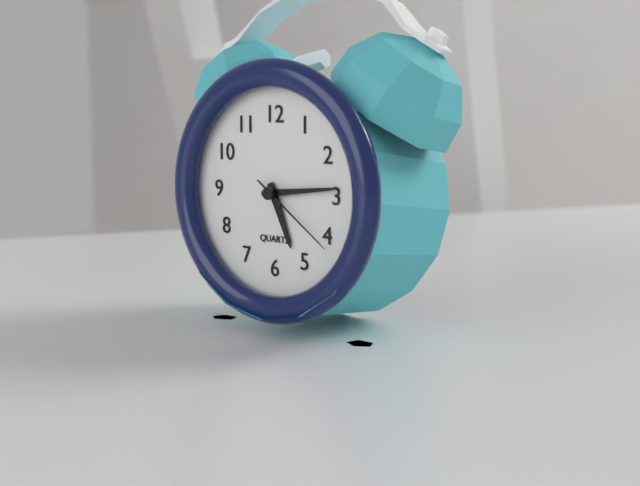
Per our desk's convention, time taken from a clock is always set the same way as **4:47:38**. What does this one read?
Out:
**5:14:21**
